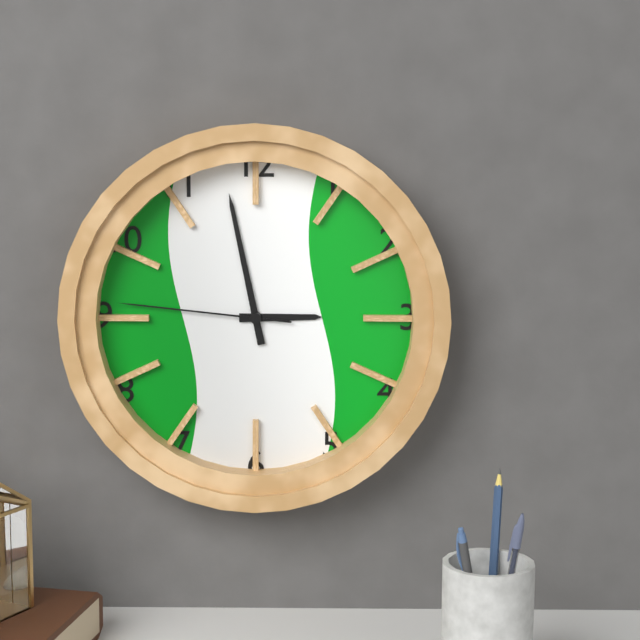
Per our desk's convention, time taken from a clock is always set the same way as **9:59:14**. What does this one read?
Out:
**2:58:46**
